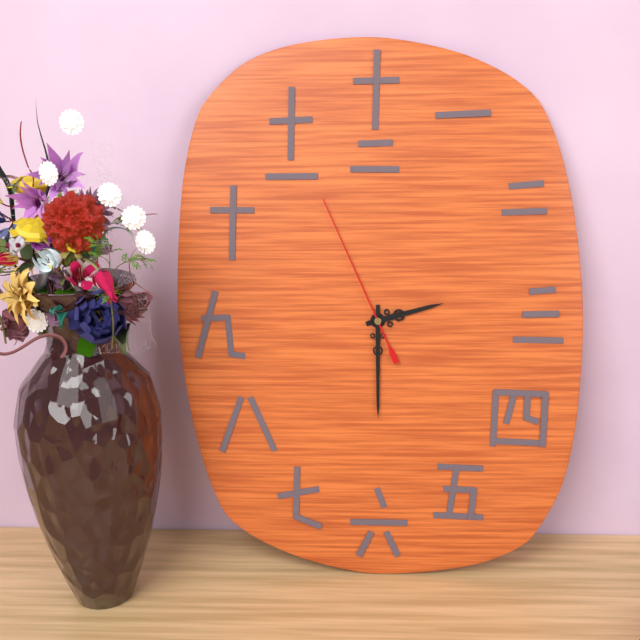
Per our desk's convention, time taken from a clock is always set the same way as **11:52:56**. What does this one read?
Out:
**2:30:56**
